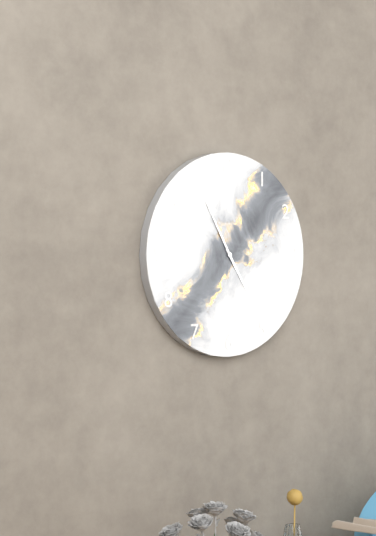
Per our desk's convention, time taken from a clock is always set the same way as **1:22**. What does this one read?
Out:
**4:55**
